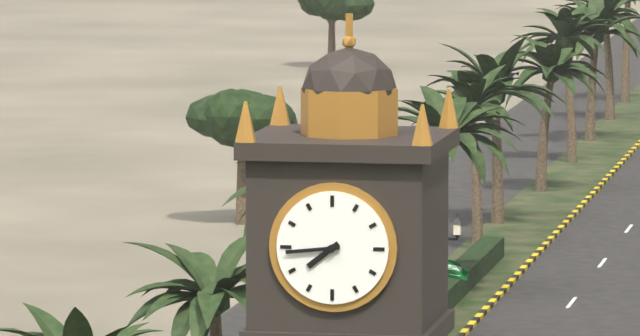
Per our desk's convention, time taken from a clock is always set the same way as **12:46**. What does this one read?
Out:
**7:44**
